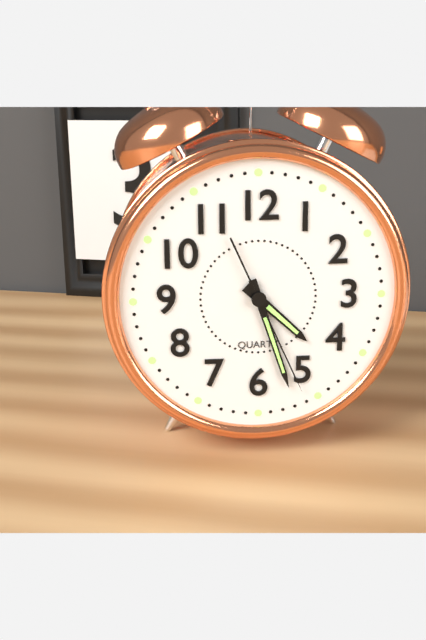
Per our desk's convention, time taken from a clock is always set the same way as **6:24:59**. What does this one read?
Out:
**4:27:26**
